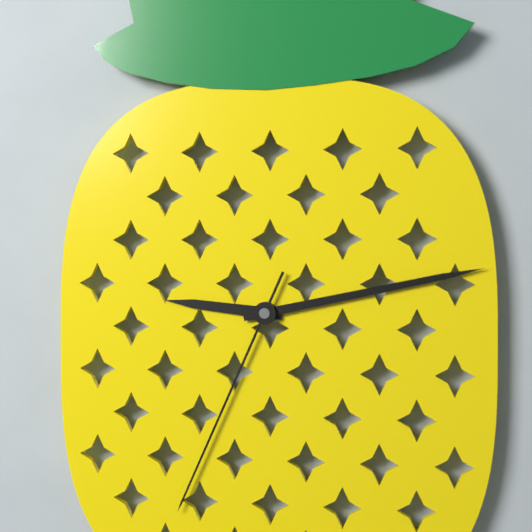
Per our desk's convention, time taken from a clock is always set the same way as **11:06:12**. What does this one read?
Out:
**9:13:34**
